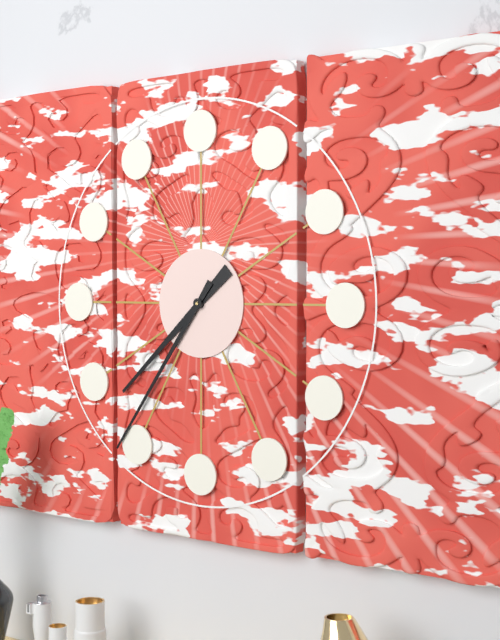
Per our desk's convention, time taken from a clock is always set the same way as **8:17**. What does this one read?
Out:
**7:36**
